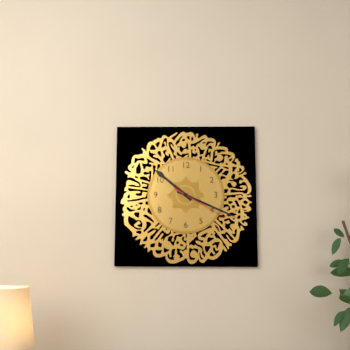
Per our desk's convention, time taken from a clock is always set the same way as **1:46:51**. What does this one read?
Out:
**10:19:20**
